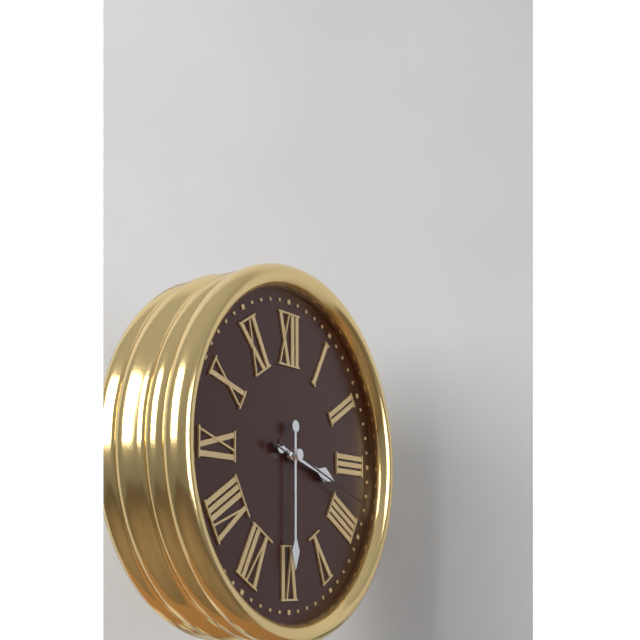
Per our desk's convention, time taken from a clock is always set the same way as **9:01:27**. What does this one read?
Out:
**3:30:18**
